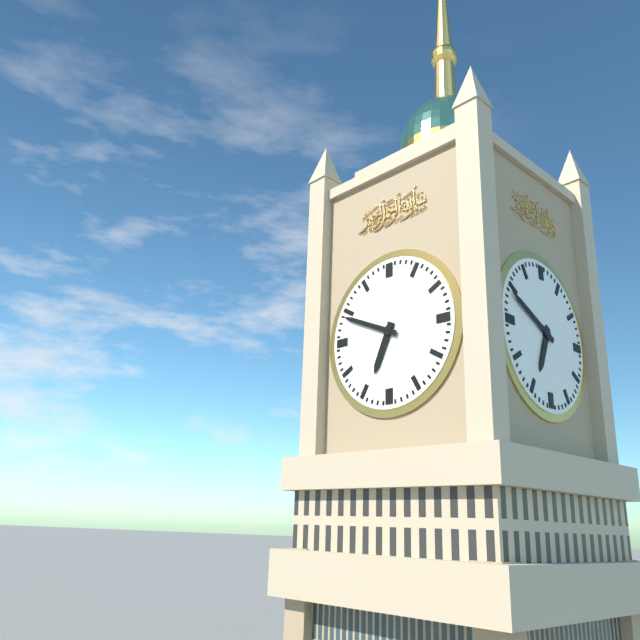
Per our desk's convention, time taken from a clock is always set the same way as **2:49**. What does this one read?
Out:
**6:49**
